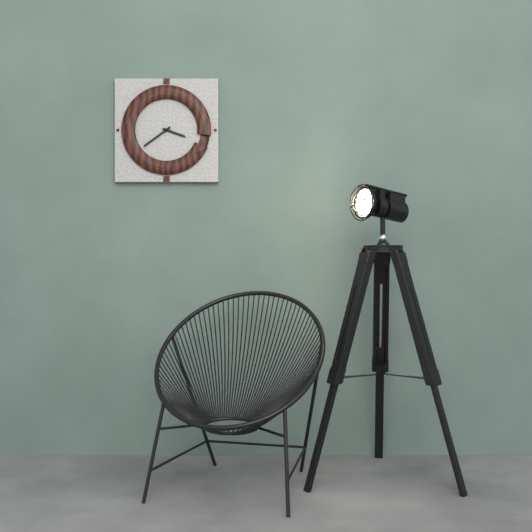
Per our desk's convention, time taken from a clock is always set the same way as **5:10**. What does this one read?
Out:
**3:39**
